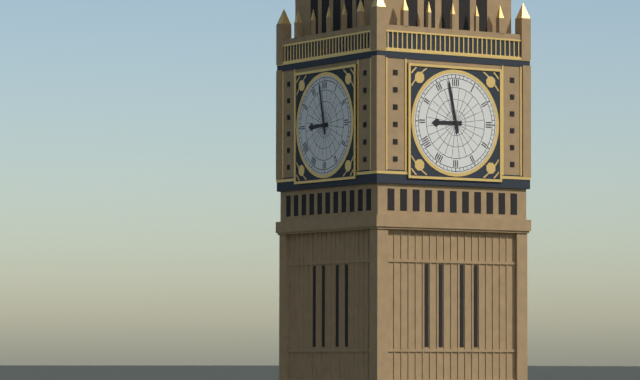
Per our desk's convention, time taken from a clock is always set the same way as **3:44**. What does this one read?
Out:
**8:58**
